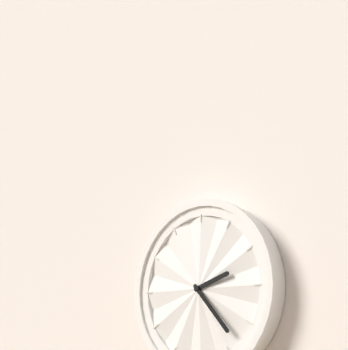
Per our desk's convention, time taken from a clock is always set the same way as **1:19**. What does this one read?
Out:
**2:23**
